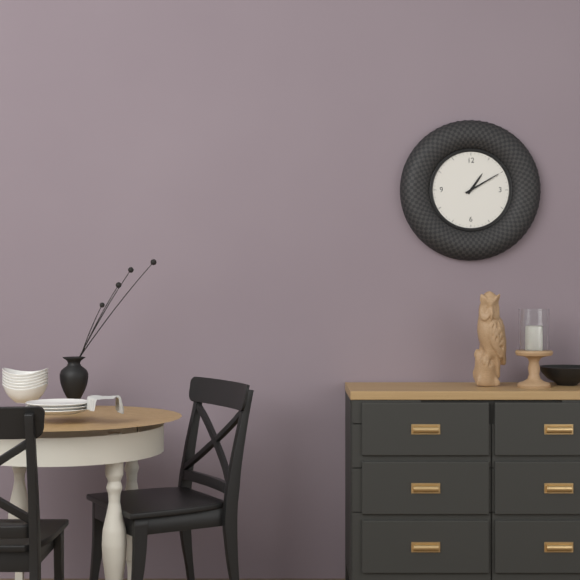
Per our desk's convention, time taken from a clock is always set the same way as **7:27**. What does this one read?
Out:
**1:10**
